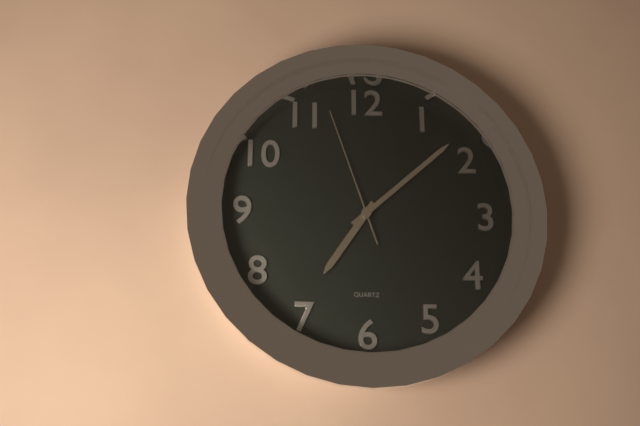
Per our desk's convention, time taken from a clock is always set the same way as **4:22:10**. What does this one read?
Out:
**7:08:57**
